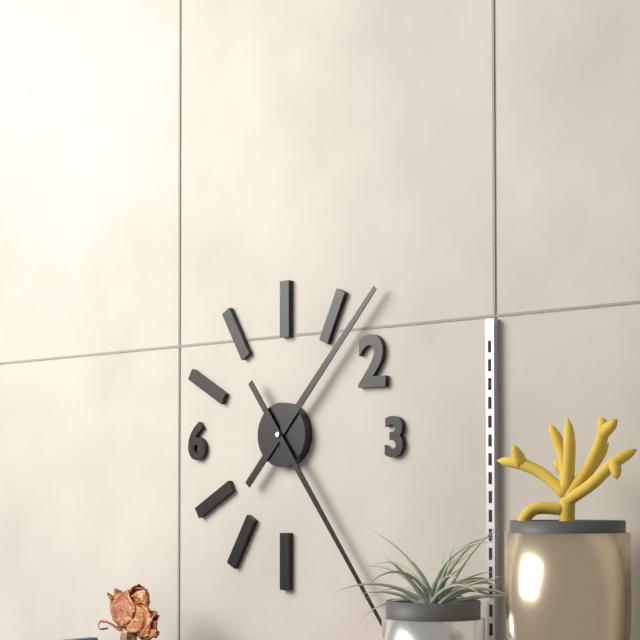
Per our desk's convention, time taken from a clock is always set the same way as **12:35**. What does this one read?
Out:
**1:24**
